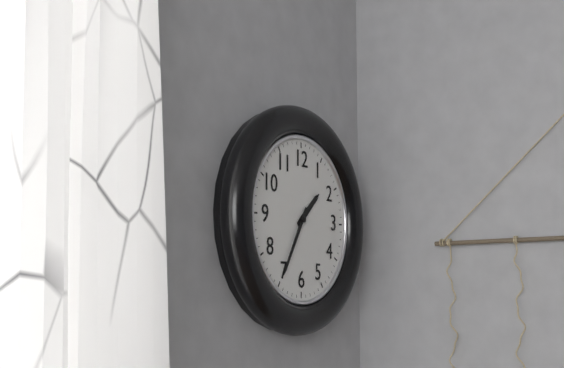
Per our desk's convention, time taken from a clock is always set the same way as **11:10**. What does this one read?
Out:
**1:35**
